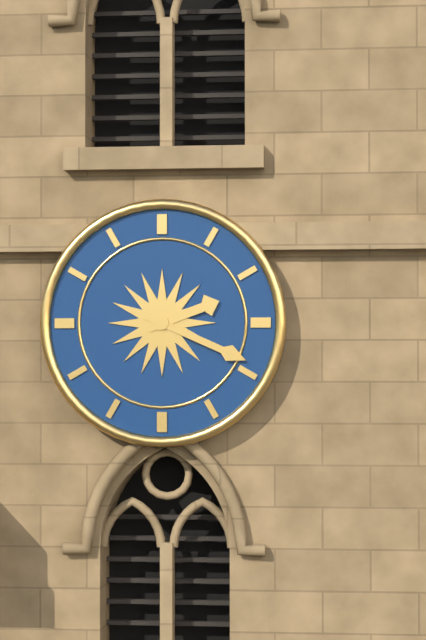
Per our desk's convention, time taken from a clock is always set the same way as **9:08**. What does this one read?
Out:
**2:19**
